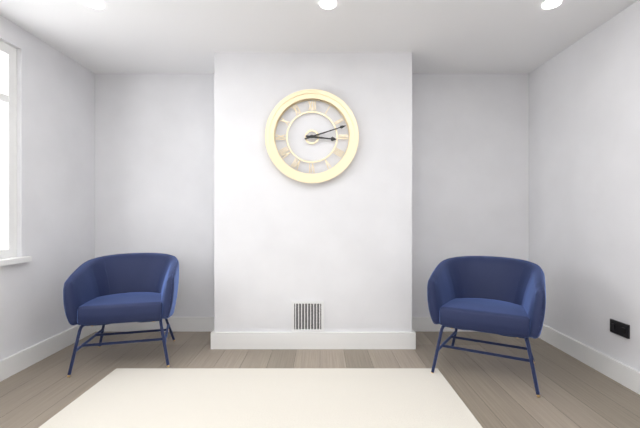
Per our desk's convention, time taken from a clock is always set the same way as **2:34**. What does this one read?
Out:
**3:12**
